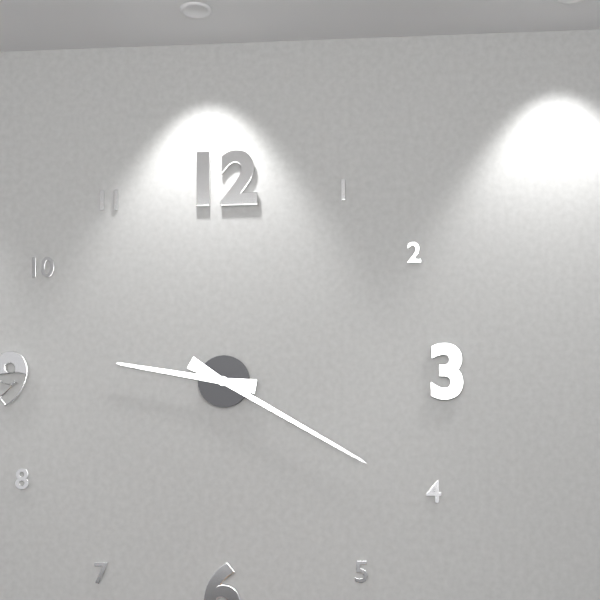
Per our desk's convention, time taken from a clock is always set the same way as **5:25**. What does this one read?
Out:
**9:20**
